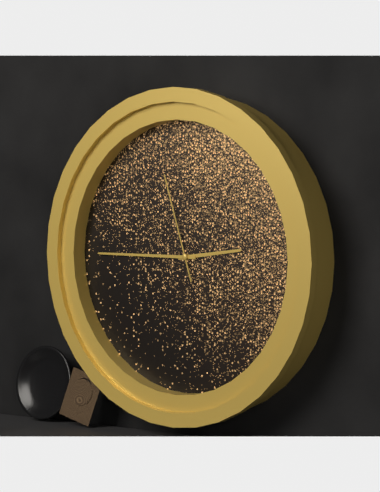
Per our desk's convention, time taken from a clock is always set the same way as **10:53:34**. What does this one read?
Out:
**2:45:57**
